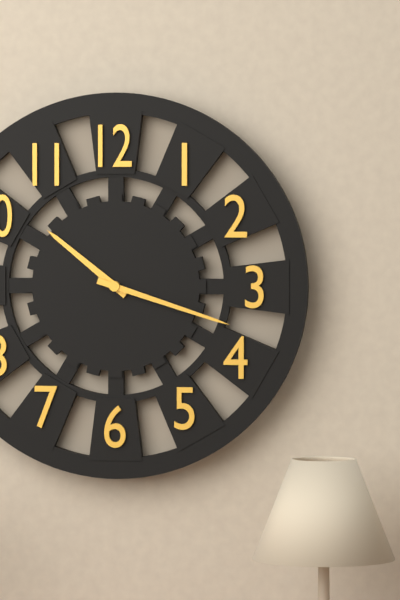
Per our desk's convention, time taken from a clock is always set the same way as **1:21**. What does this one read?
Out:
**10:18**
